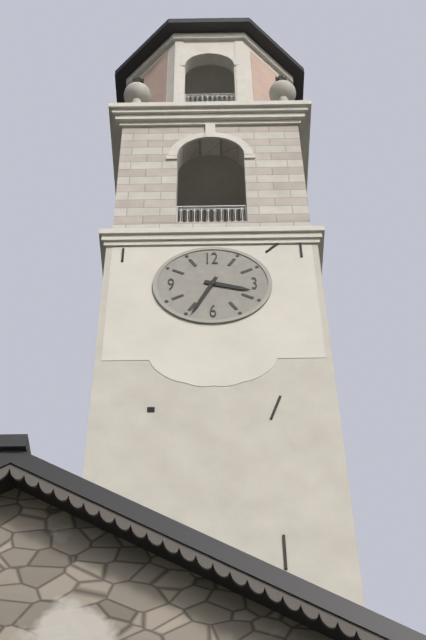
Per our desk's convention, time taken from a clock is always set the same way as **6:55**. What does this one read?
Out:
**3:34**
